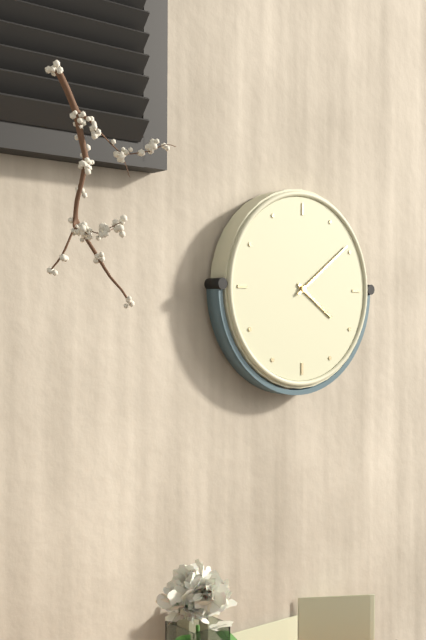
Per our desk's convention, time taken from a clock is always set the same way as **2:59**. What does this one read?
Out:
**4:09**
